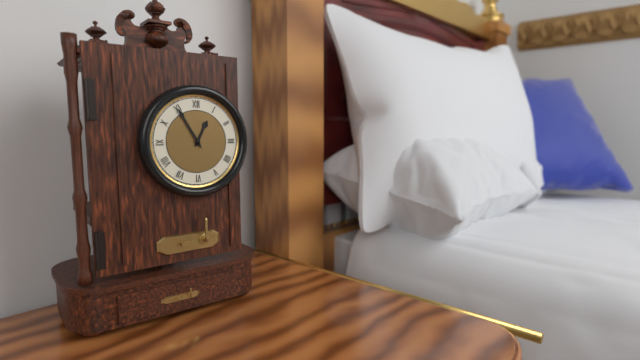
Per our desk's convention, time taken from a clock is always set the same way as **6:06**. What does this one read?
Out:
**12:55**
